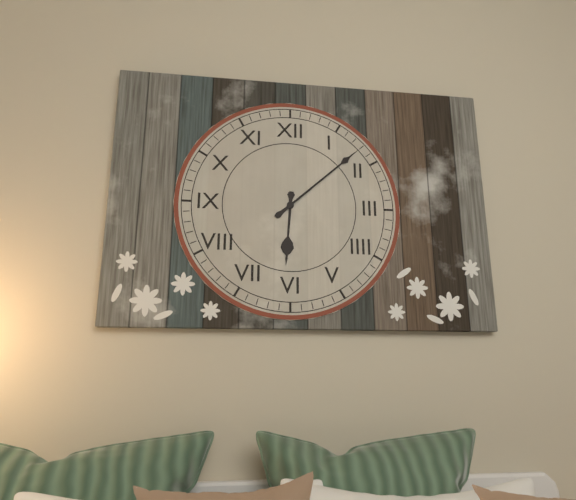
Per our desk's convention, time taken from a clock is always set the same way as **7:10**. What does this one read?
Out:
**6:08**
